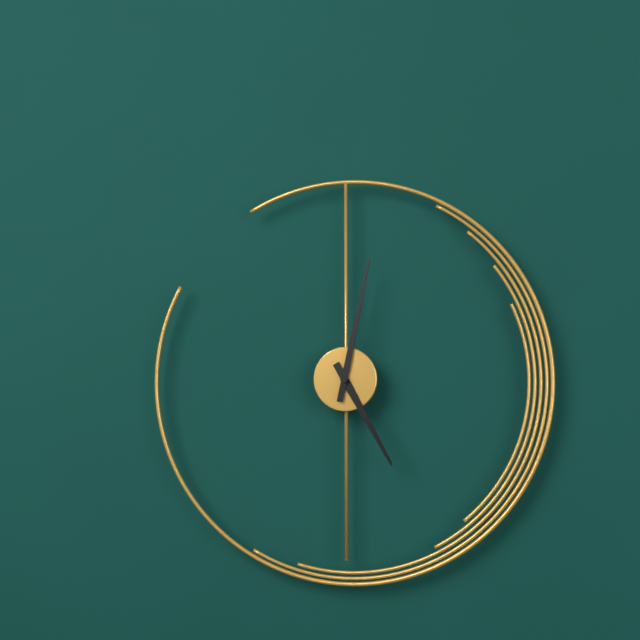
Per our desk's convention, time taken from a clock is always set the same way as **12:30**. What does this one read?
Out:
**5:02**
